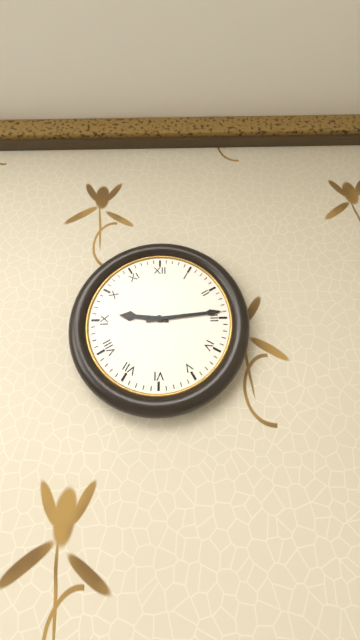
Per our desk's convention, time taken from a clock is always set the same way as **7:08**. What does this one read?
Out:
**9:14**
